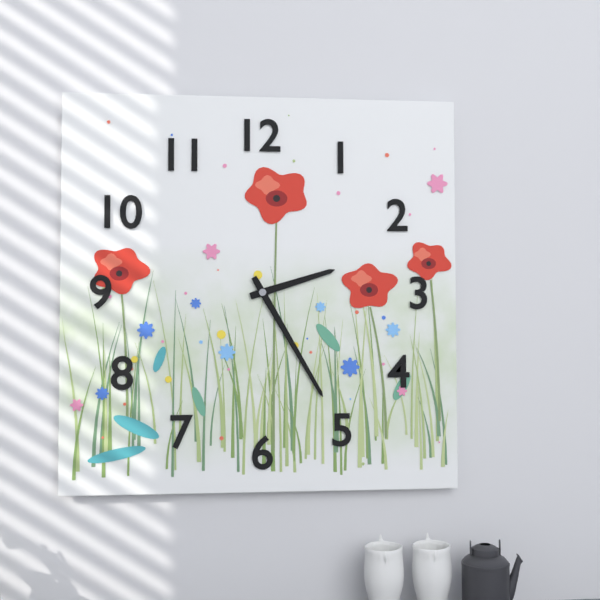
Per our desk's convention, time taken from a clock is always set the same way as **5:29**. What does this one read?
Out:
**2:25**
